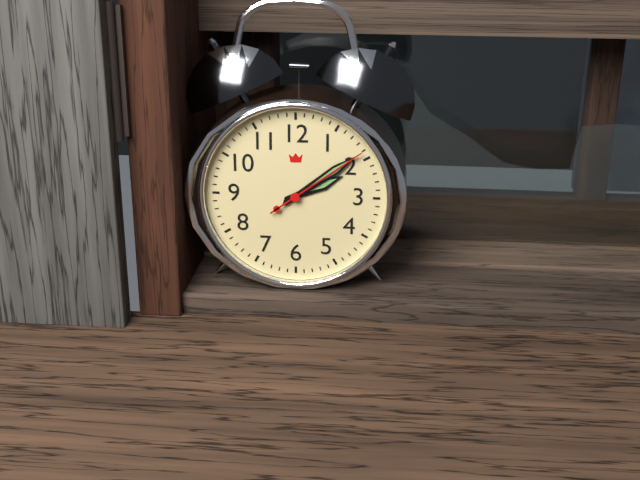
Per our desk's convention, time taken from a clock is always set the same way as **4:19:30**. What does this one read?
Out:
**2:09:09**
